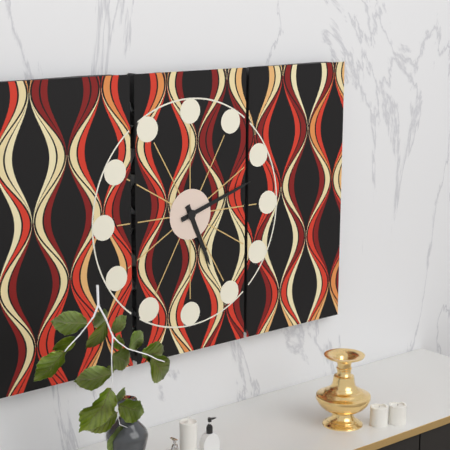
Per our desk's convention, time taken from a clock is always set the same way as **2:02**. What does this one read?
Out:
**5:12**
